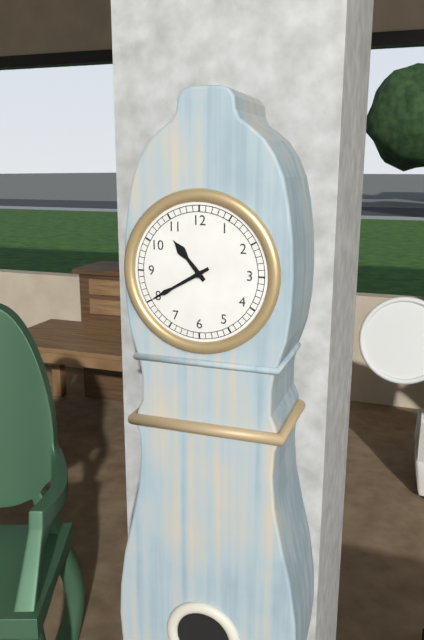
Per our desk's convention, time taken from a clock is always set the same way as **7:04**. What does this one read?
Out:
**10:40**
